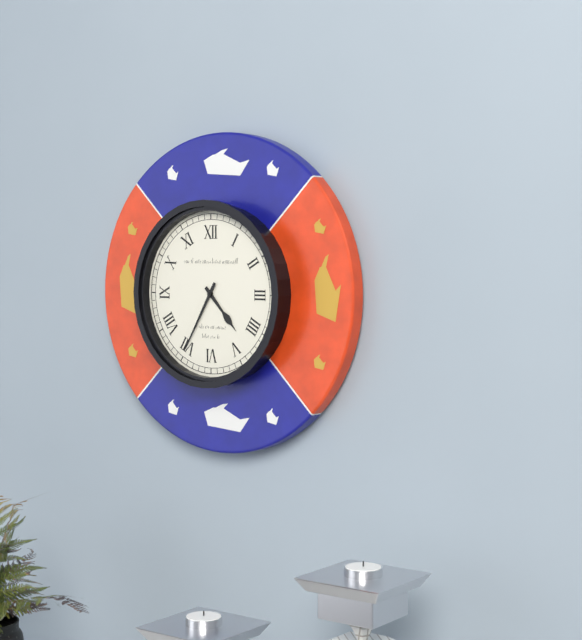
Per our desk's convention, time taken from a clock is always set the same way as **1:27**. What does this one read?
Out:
**4:35**
